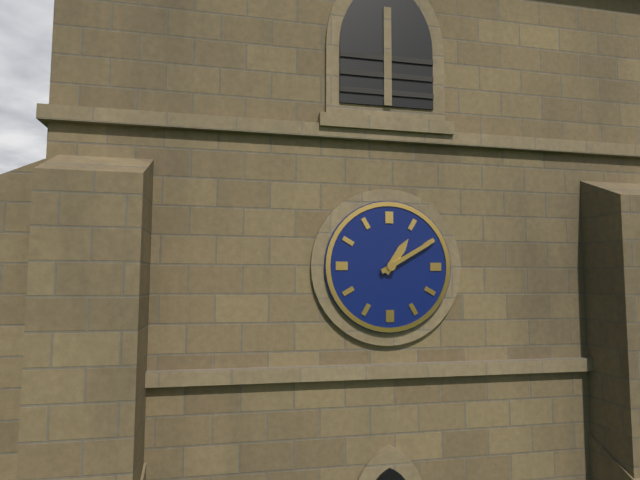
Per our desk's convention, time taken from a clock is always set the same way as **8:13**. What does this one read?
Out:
**1:10**
